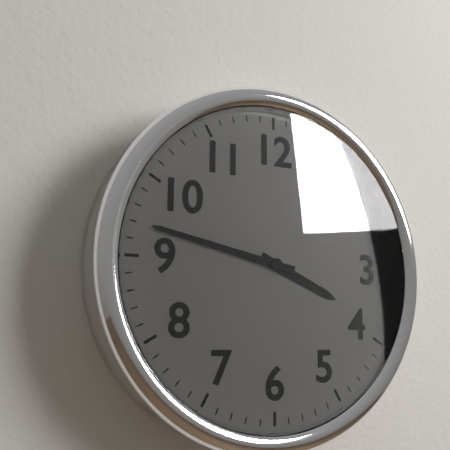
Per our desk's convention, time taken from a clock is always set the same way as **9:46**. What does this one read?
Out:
**3:47**
